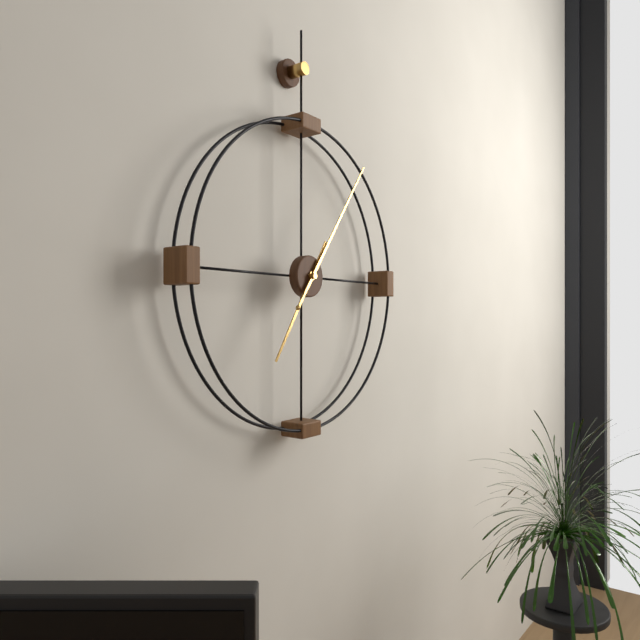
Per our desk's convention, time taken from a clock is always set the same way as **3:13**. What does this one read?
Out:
**7:06**
